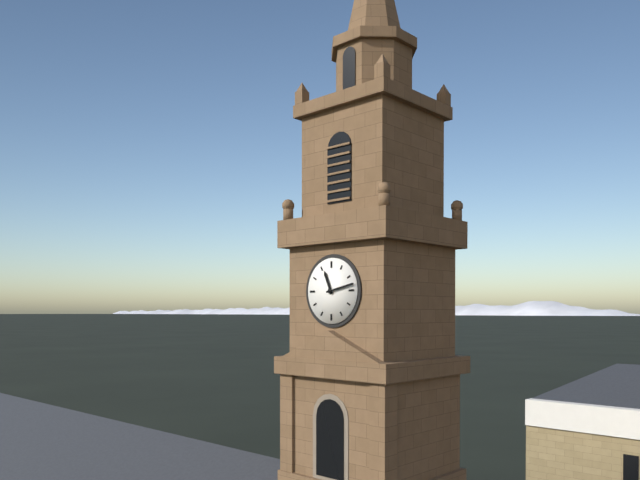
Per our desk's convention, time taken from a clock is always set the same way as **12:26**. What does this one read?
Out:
**11:13**
